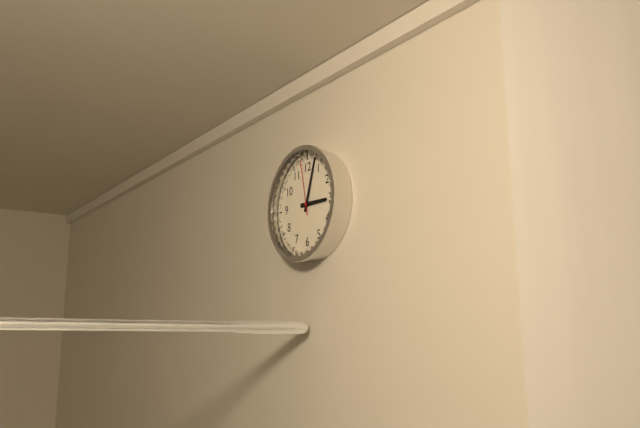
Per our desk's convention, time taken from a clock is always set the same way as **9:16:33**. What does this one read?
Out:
**3:03:58**
